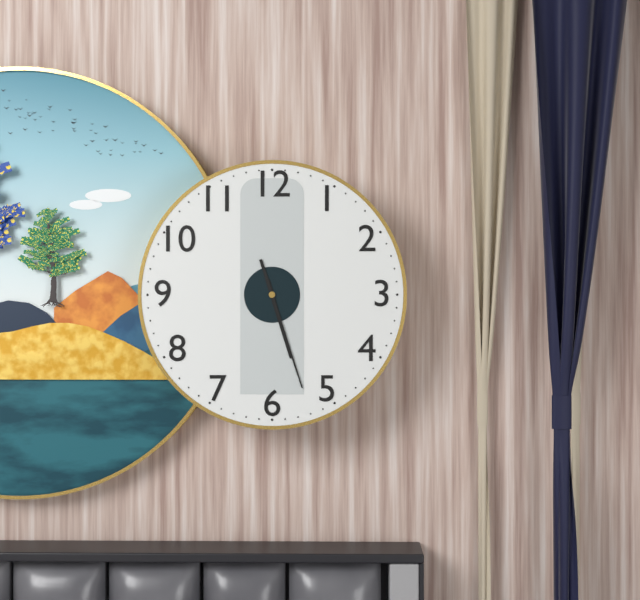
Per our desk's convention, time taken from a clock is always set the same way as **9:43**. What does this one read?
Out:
**5:27**
